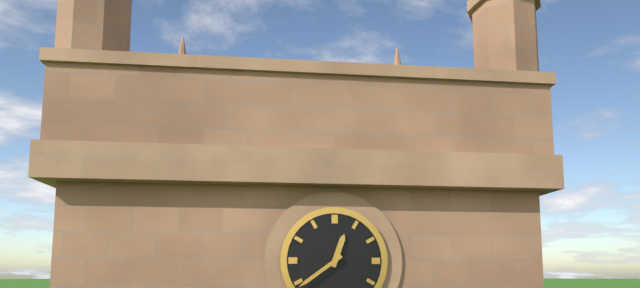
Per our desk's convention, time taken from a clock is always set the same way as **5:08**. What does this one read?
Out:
**12:39**
